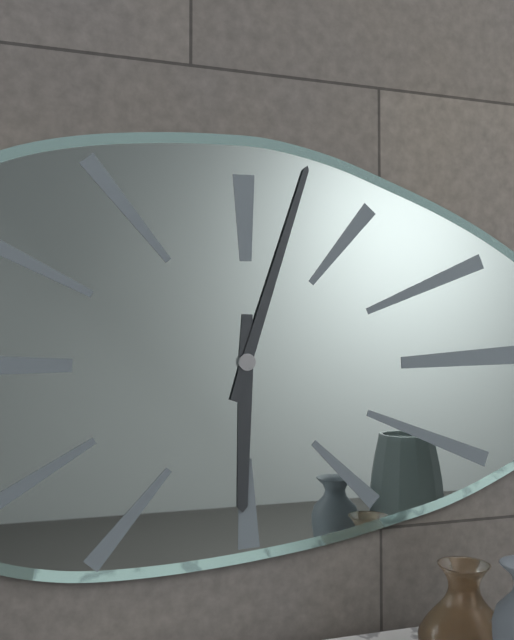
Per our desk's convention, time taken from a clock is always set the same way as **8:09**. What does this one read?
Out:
**6:03**
